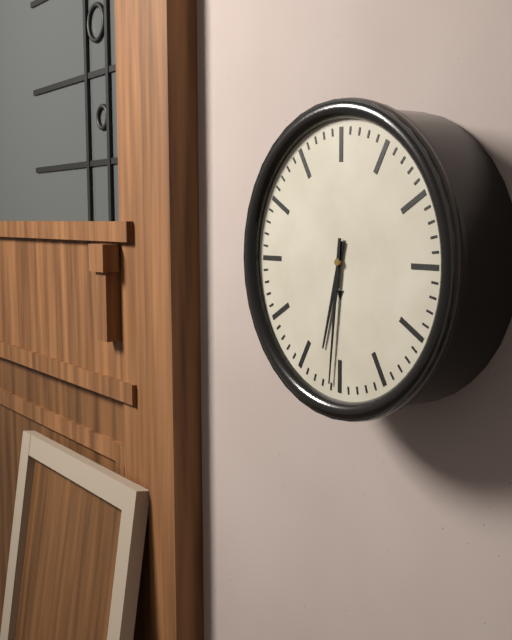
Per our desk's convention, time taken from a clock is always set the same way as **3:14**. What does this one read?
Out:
**6:31**
